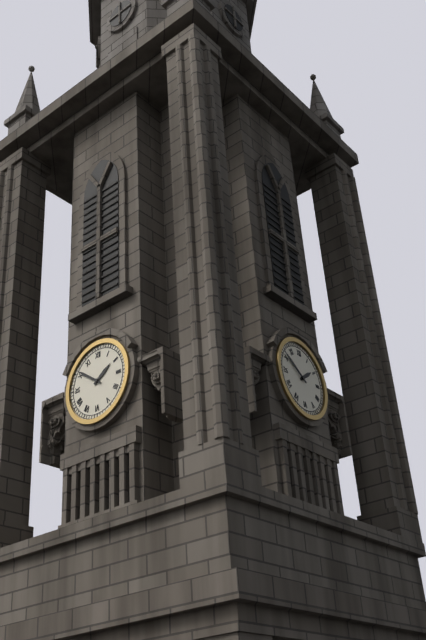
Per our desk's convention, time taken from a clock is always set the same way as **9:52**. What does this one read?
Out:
**1:51**
